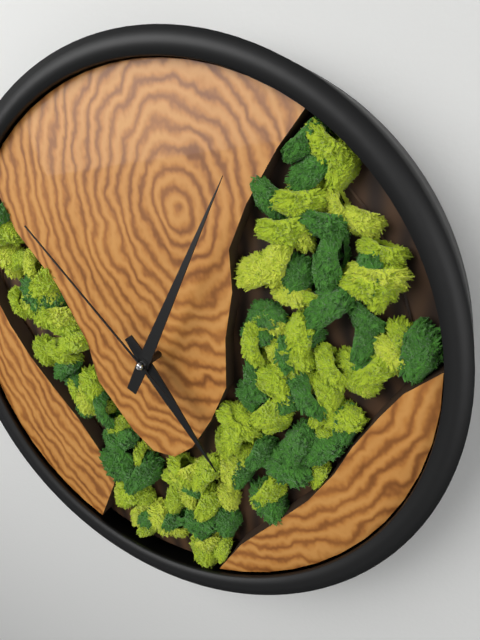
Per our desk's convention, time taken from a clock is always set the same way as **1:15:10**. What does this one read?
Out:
**5:06:54**
